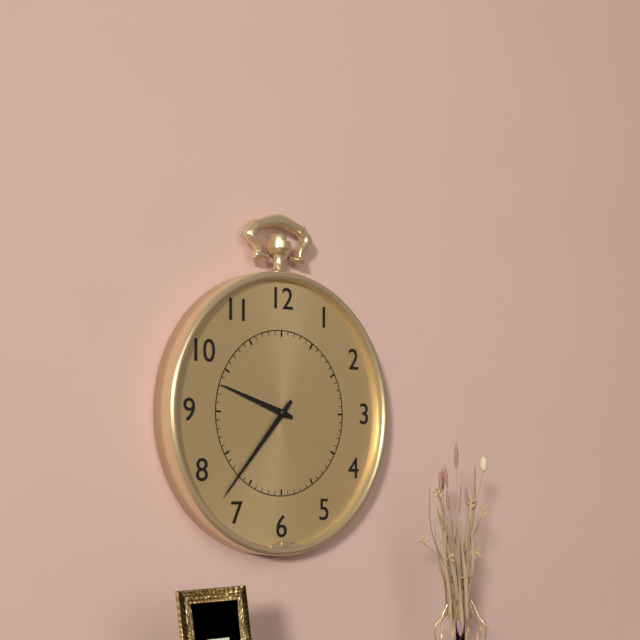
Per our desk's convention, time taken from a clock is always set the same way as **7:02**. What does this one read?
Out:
**9:37**
